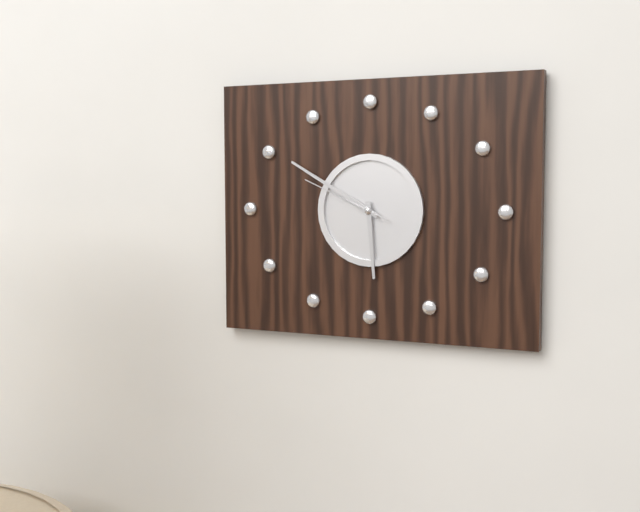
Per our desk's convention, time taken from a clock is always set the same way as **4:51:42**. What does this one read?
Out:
**5:50:49**
